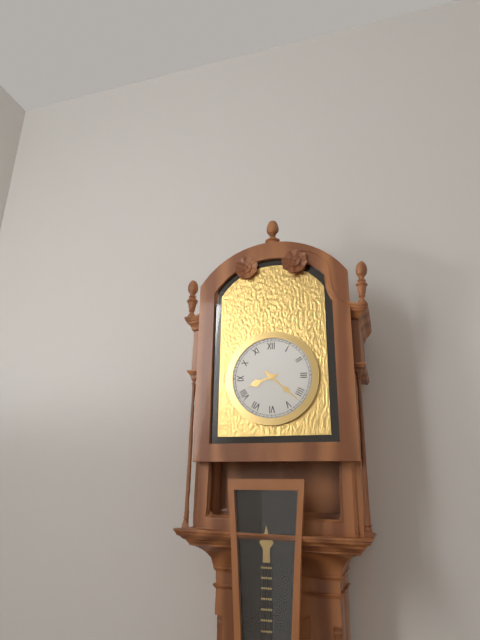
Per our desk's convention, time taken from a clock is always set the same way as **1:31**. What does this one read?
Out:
**8:22**
